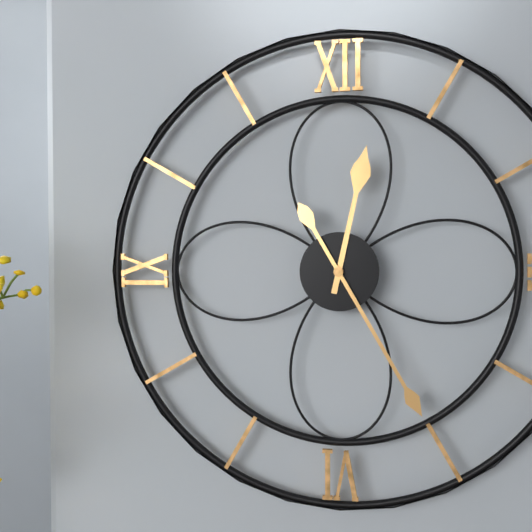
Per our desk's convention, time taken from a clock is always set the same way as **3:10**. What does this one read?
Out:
**12:25**
